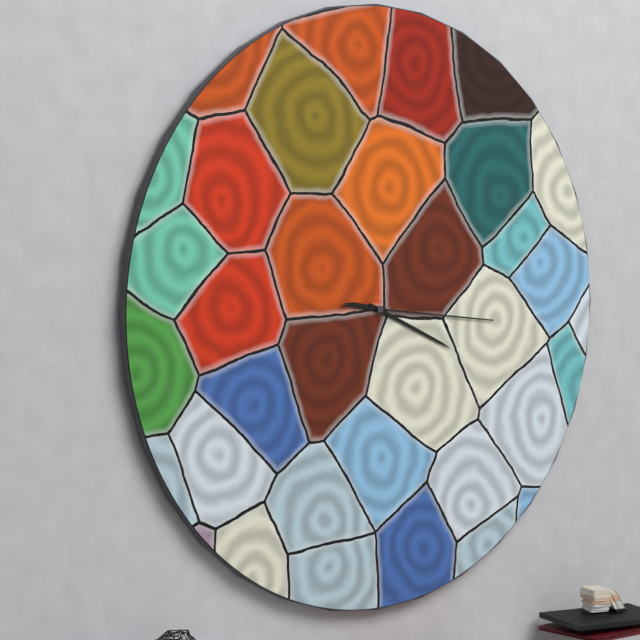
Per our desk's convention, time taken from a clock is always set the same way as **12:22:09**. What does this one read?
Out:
**9:19:16**
